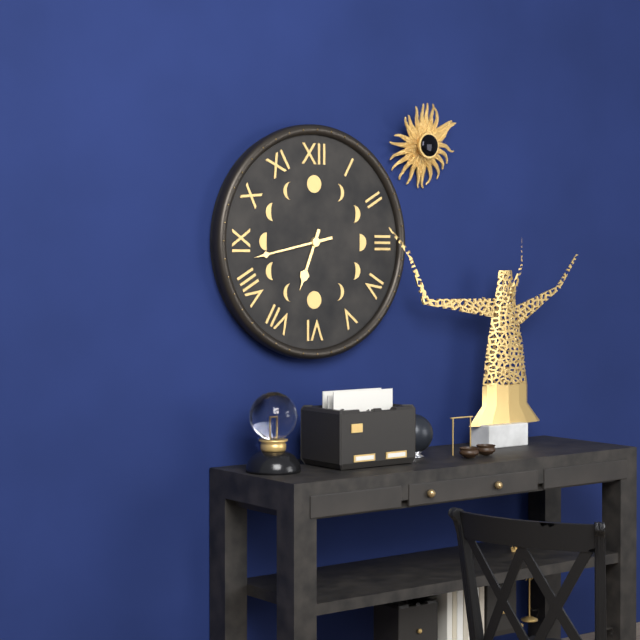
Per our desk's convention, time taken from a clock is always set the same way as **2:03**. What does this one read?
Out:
**6:43**
